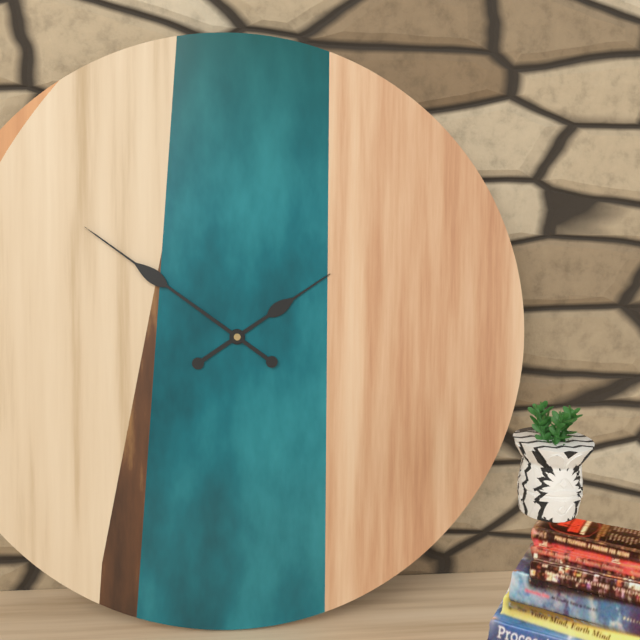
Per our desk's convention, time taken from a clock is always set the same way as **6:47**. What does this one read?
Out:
**1:51**
